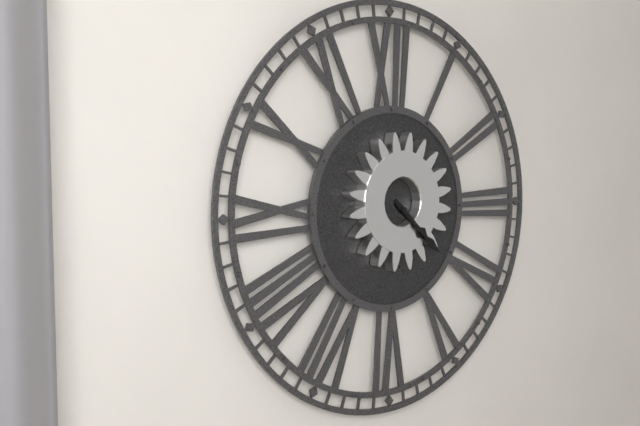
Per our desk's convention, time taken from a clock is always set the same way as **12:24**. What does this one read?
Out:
**4:22**
